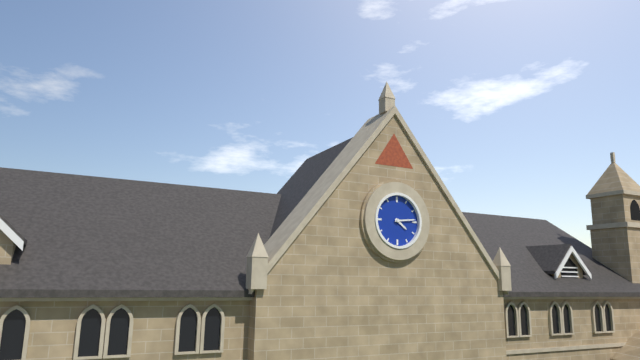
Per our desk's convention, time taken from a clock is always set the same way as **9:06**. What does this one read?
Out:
**4:14**
